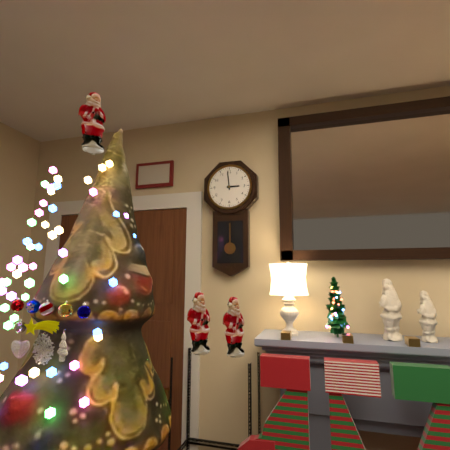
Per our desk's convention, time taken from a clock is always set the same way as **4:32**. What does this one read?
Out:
**2:59**
